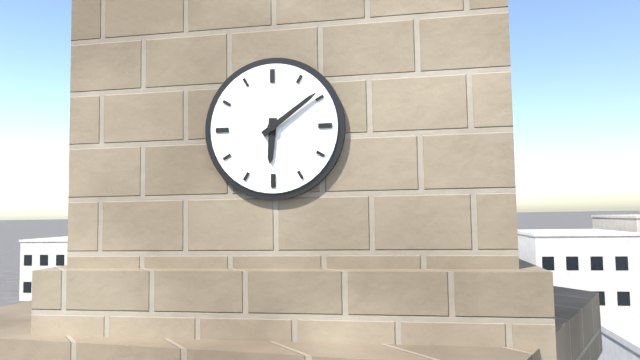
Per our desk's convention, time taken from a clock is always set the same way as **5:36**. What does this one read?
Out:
**6:09**
